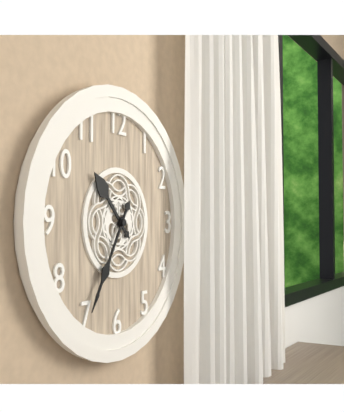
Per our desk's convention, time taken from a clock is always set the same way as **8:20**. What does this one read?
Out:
**10:35**
